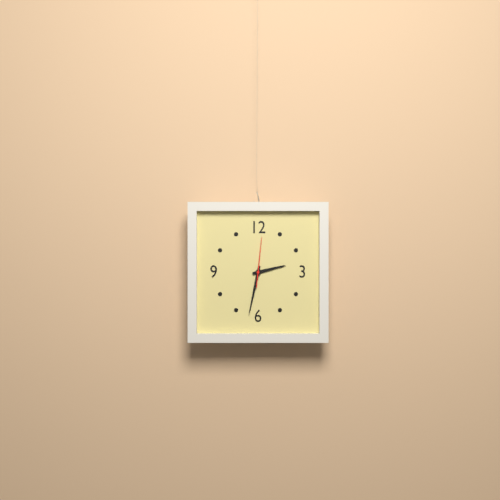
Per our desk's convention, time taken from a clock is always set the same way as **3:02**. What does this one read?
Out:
**2:32**
